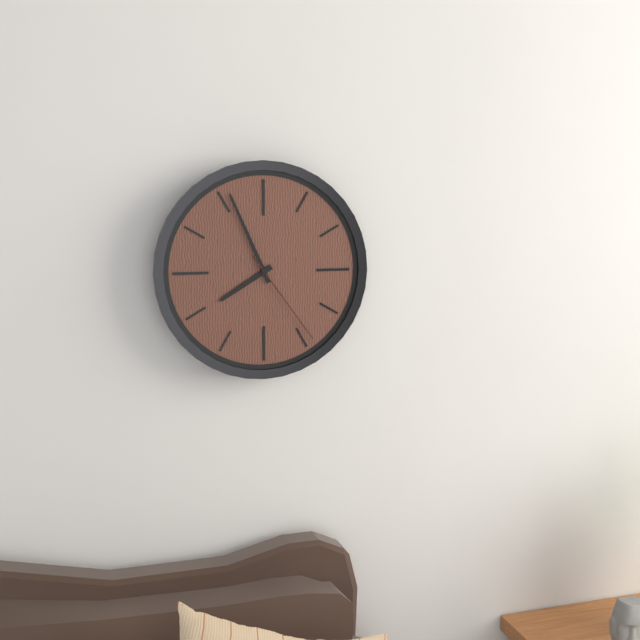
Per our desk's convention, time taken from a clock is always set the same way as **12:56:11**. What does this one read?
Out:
**7:56:24**
